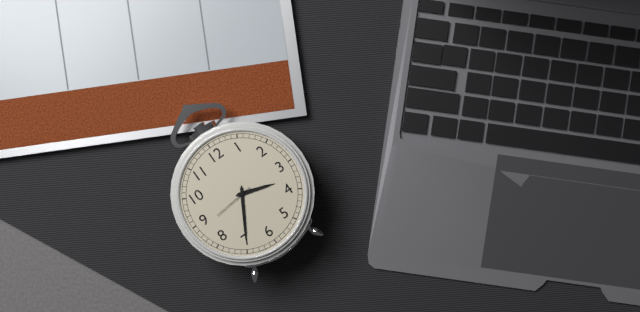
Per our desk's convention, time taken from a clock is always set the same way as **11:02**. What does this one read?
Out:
**3:35**
